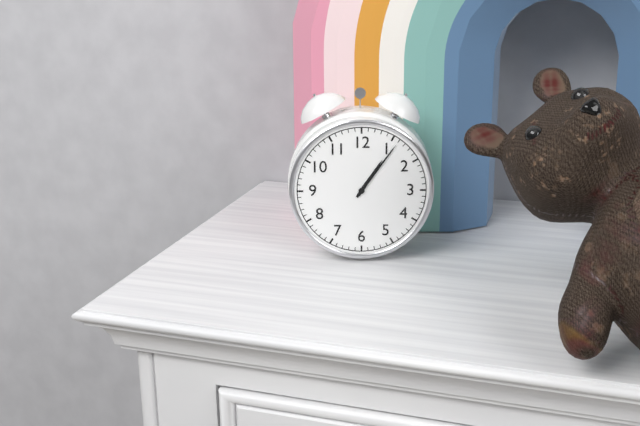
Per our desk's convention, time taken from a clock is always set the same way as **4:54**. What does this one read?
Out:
**1:06**
